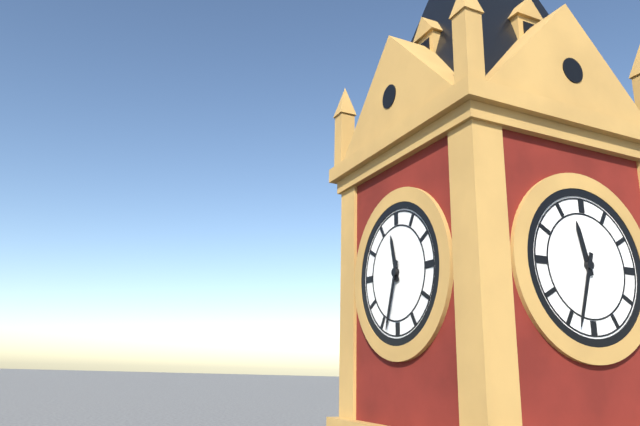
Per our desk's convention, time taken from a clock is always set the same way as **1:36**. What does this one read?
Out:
**11:33**
